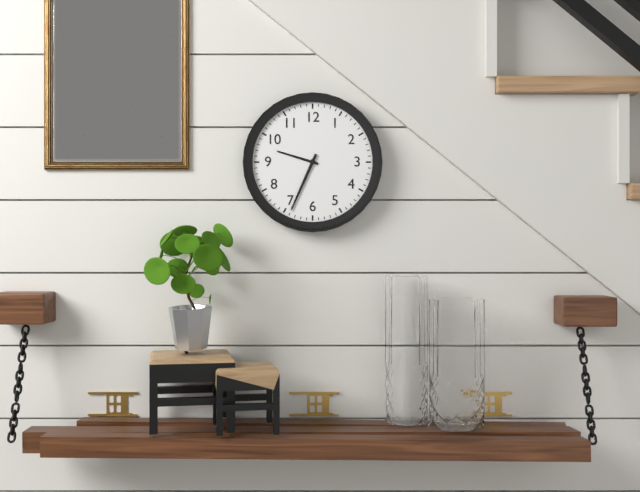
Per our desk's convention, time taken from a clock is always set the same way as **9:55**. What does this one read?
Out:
**9:34**
